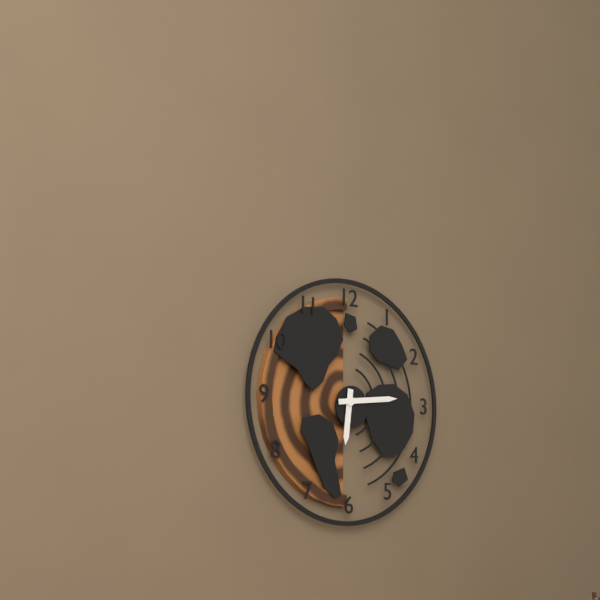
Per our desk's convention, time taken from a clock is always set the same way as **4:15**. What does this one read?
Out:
**6:14**
